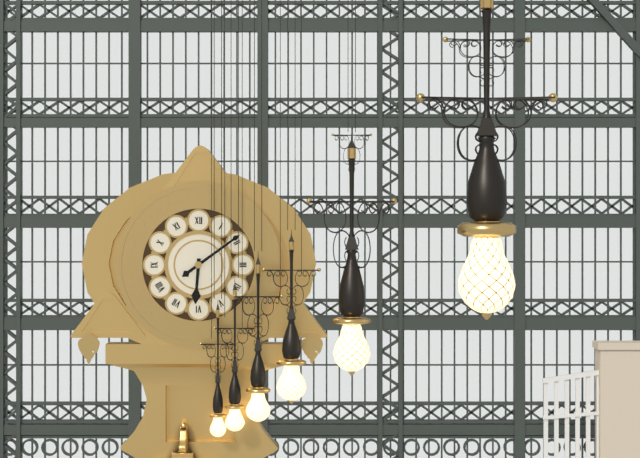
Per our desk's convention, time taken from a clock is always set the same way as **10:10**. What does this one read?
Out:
**6:09**
